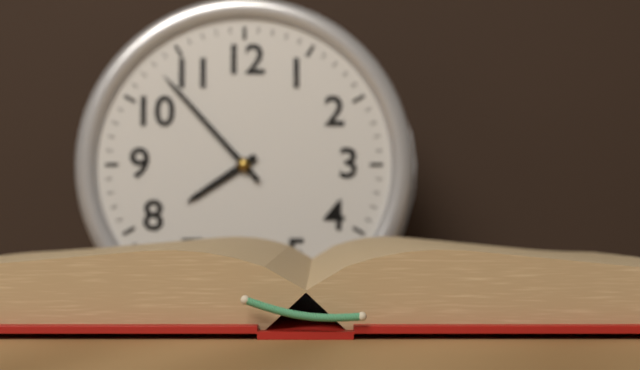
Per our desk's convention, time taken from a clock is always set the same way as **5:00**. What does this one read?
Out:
**7:53**
